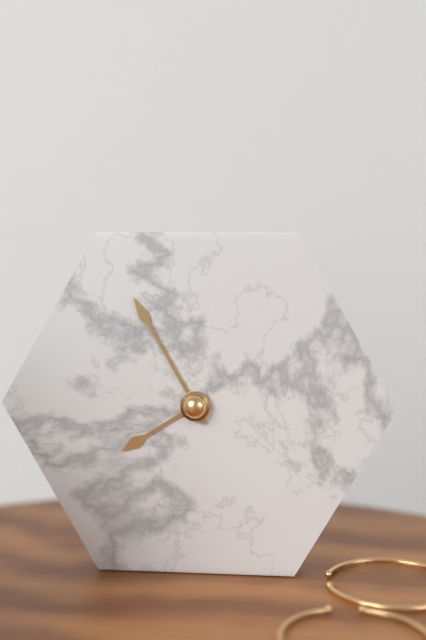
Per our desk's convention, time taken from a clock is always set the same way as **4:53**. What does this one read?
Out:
**7:55**
